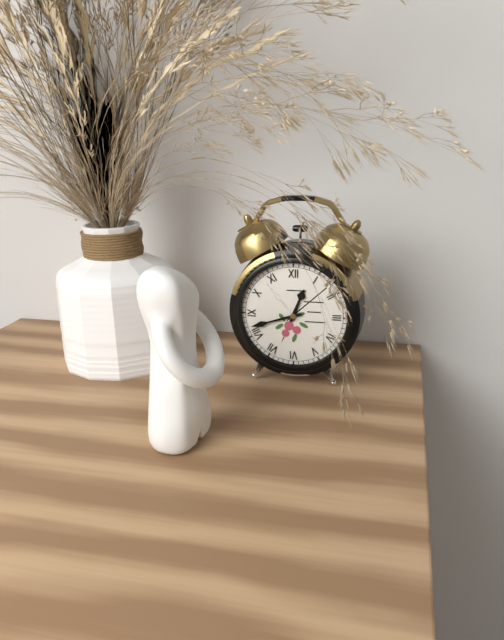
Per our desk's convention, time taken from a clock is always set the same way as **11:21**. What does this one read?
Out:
**12:42**
